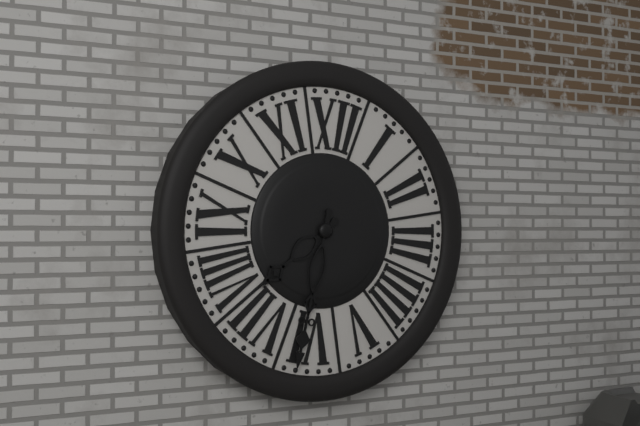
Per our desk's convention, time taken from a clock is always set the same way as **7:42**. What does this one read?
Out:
**7:31**
